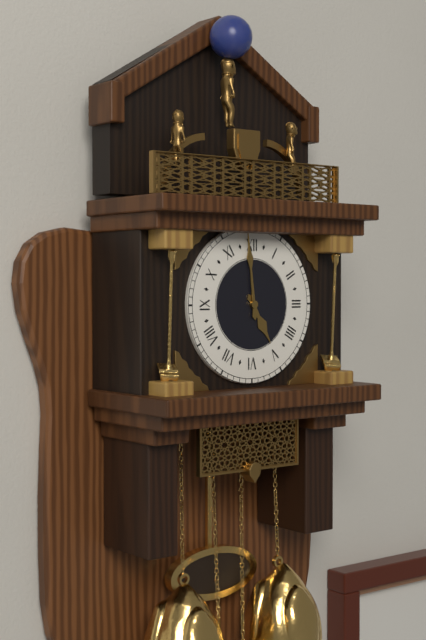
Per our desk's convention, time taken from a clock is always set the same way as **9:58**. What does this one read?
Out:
**4:59**
